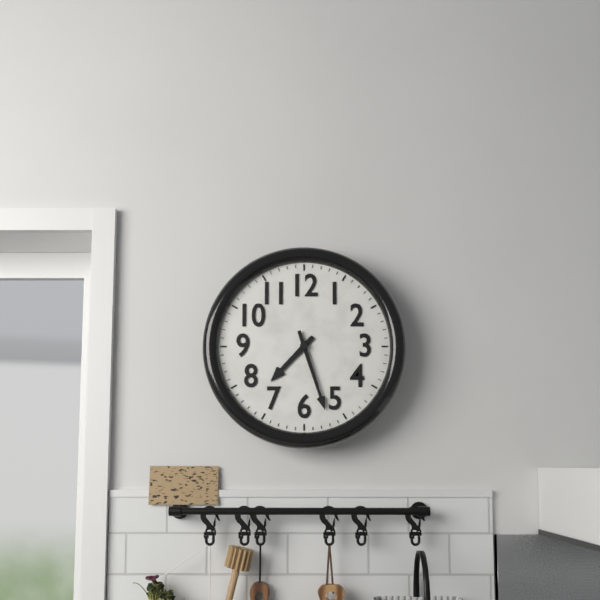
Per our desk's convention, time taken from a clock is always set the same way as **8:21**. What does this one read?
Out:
**7:27**
